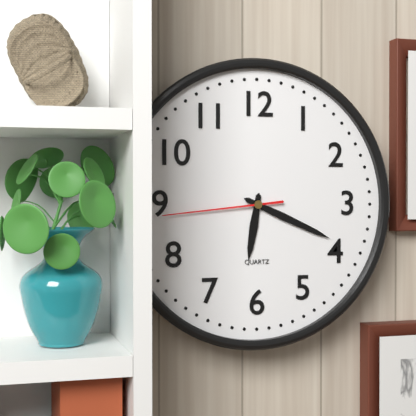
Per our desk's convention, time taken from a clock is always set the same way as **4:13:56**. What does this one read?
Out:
**6:19:44**
